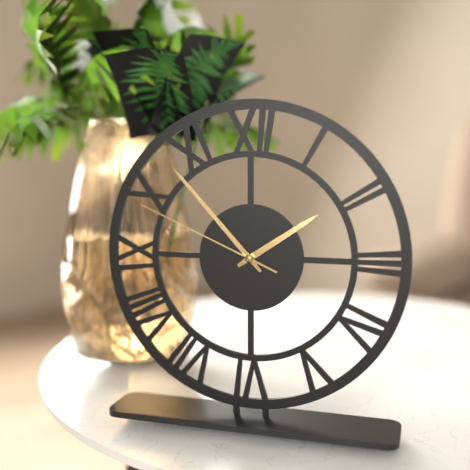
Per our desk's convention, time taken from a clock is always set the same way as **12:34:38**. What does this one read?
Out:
**1:53:49**
